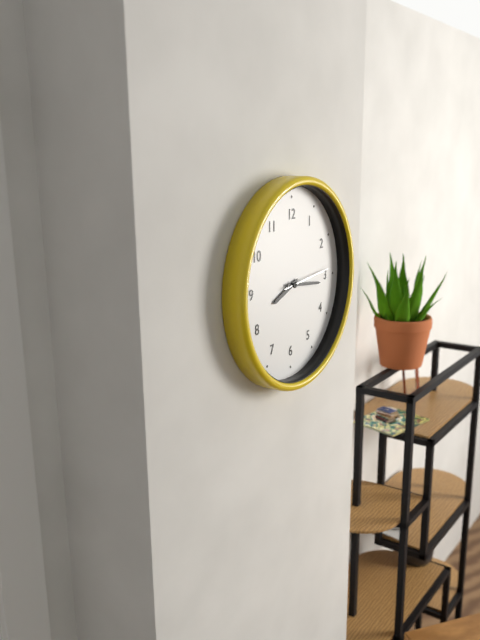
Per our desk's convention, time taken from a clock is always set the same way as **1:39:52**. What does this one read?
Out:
**8:16:14**
